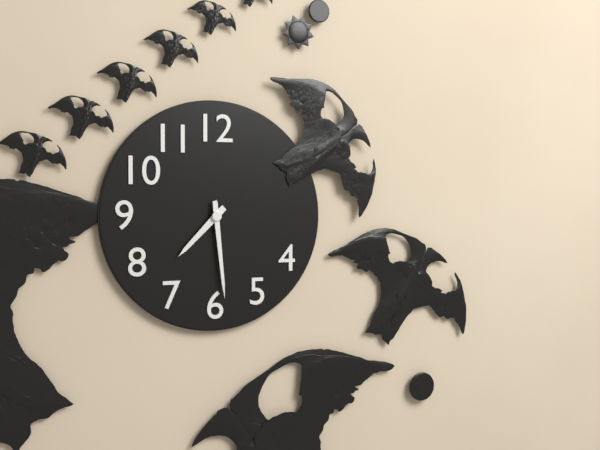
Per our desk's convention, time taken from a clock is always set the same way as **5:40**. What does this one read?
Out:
**7:29**
